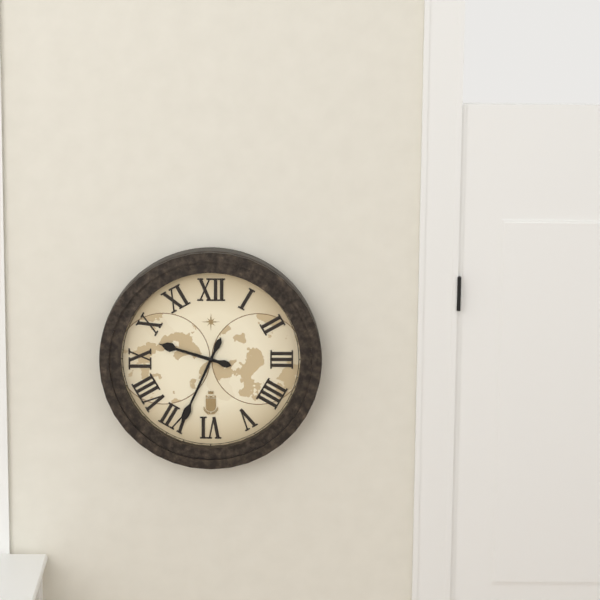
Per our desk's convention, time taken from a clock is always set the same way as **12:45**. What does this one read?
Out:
**9:34**
